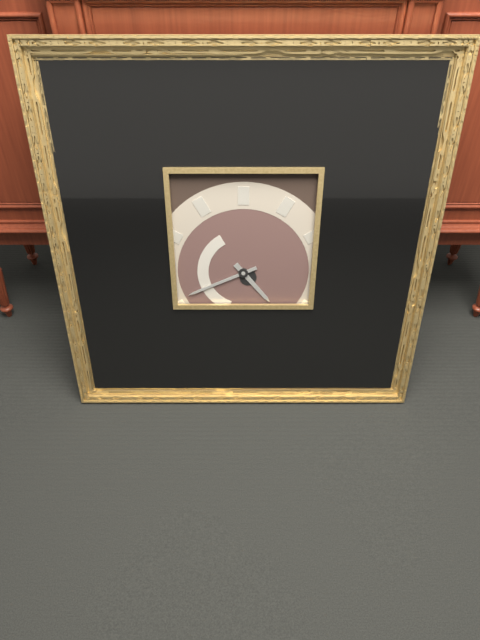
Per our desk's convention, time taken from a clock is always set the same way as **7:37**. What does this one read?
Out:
**4:41**
